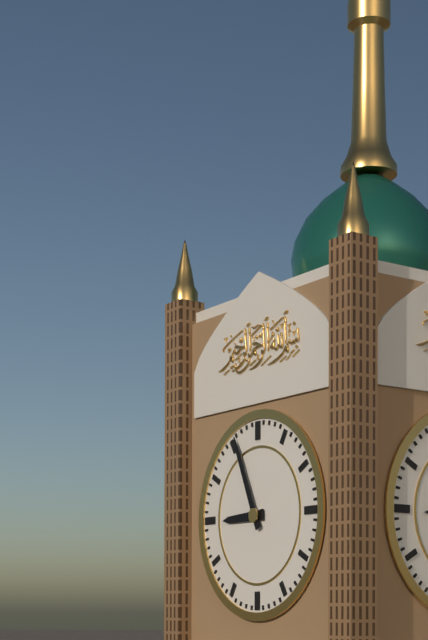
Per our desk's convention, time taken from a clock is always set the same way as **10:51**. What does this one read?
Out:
**8:56**
